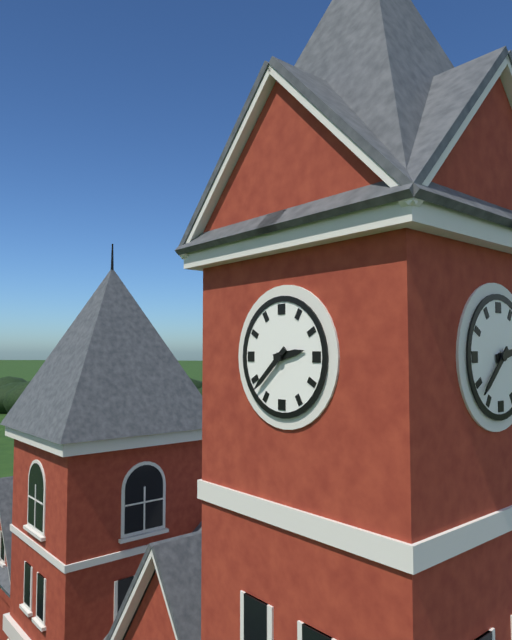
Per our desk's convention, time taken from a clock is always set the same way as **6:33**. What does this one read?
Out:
**2:38**
